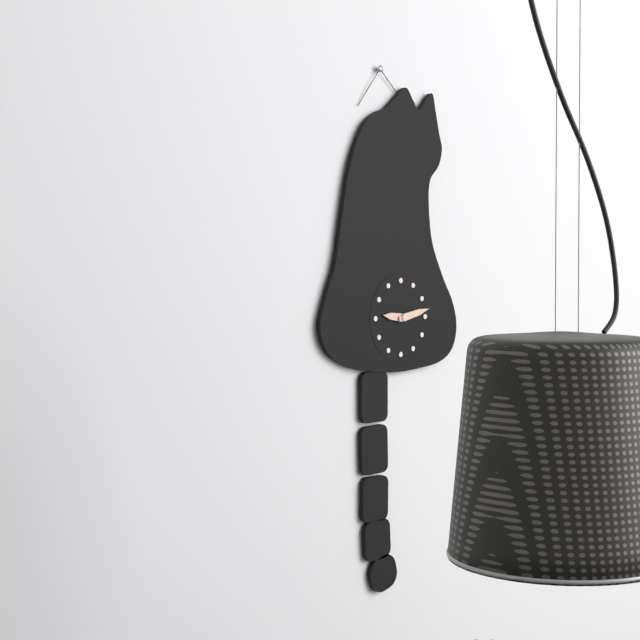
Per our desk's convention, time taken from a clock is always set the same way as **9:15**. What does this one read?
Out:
**9:13**
